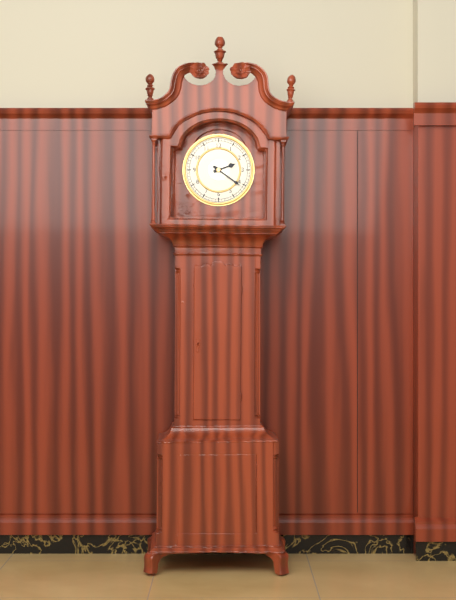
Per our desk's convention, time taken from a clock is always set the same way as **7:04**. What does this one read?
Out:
**2:21**
